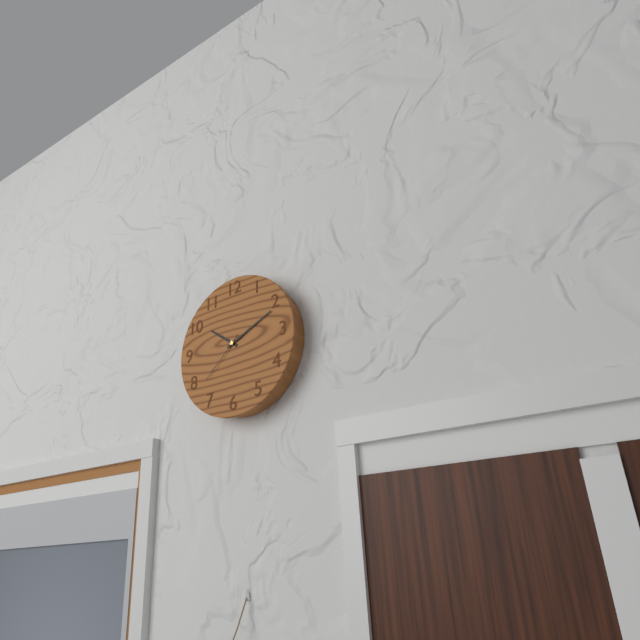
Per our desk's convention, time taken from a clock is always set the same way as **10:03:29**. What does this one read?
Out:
**10:11:38**
